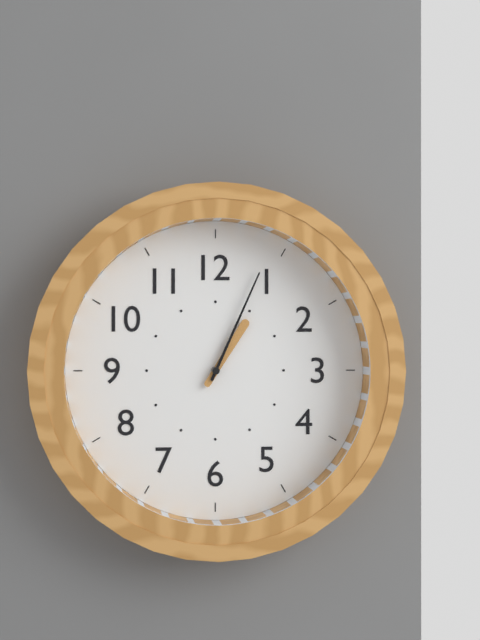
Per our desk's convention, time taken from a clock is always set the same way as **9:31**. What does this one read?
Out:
**1:04**
